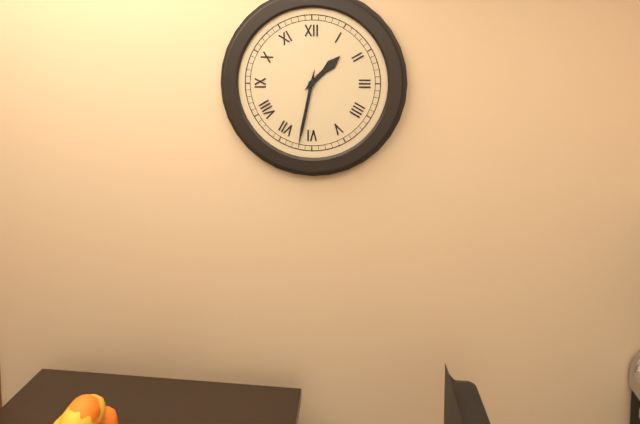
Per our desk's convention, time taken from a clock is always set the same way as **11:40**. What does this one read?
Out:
**1:32**
